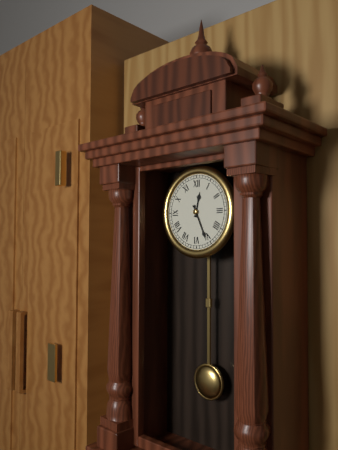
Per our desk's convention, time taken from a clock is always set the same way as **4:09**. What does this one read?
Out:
**12:26**
